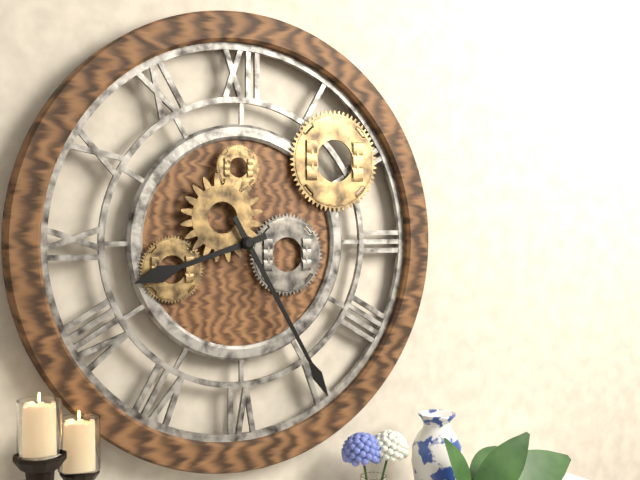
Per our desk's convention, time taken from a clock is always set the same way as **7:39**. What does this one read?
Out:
**8:25**
